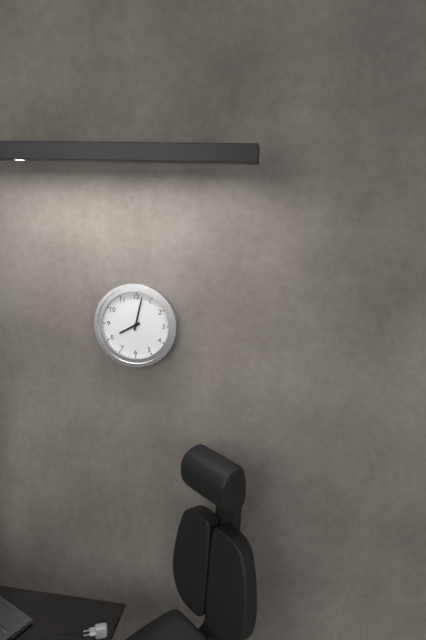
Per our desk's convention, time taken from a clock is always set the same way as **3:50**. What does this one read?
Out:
**8:02**
